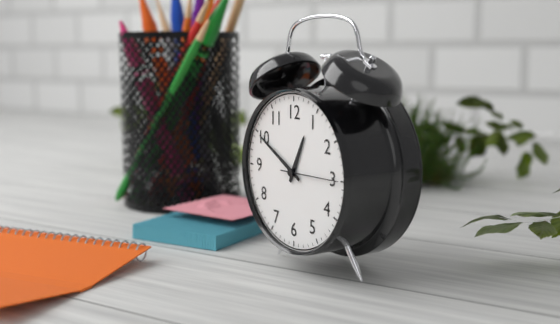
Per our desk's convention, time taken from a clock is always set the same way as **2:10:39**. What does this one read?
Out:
**12:50:15**
